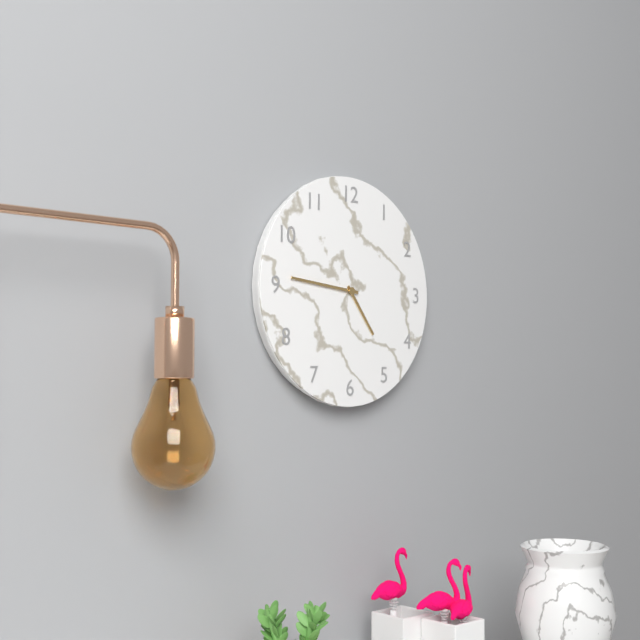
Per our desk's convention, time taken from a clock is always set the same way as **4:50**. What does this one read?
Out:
**4:46**
